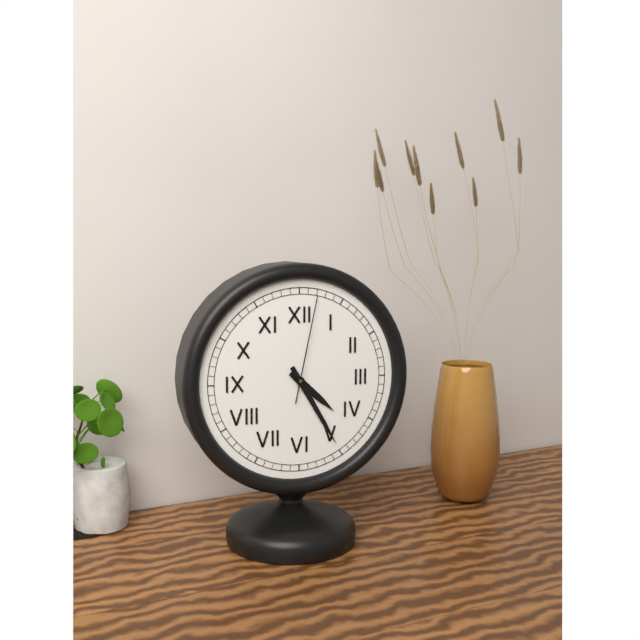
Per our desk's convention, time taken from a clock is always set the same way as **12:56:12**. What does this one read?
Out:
**4:25:02**
